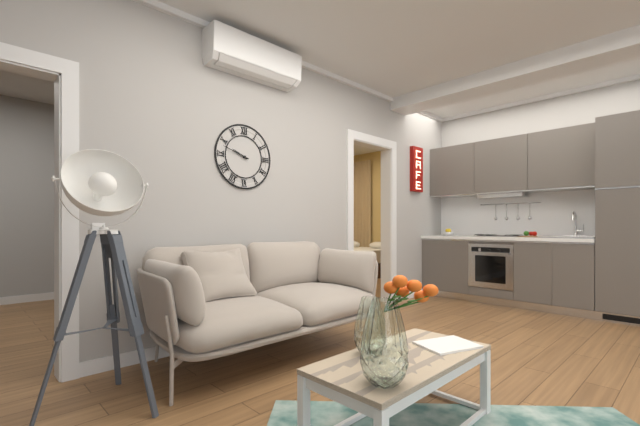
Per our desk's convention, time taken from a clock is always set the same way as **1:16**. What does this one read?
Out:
**9:48**
